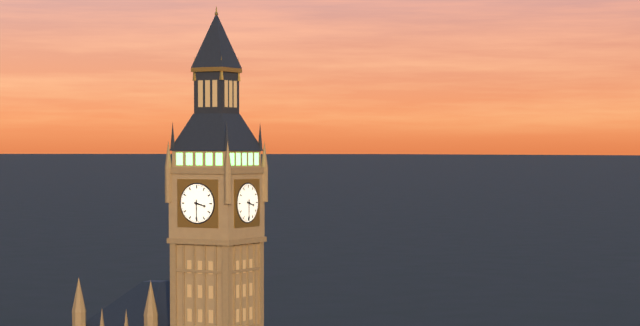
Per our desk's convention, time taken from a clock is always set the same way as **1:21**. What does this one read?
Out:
**3:30**
